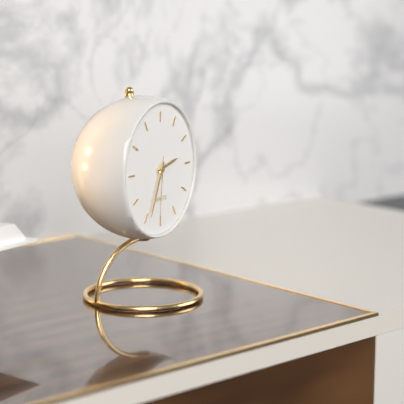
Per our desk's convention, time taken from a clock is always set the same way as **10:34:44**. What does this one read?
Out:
**2:34:31**
